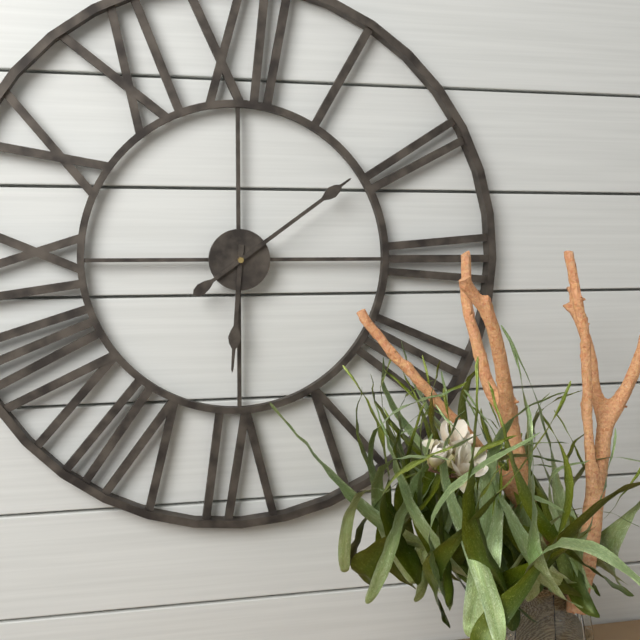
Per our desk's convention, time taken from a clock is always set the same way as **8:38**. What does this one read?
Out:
**6:09**
